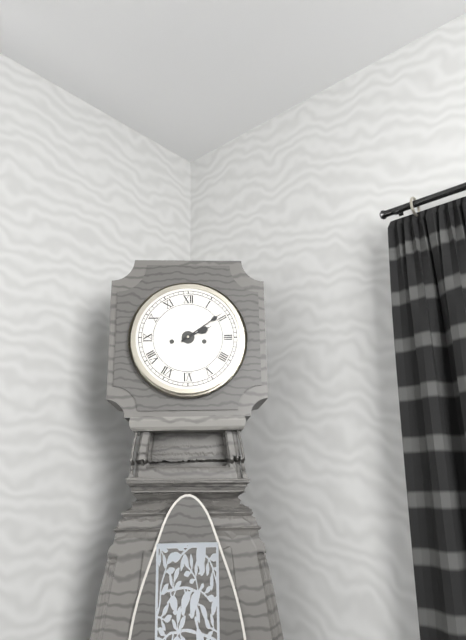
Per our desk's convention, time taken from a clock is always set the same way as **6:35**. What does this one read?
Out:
**2:09**
